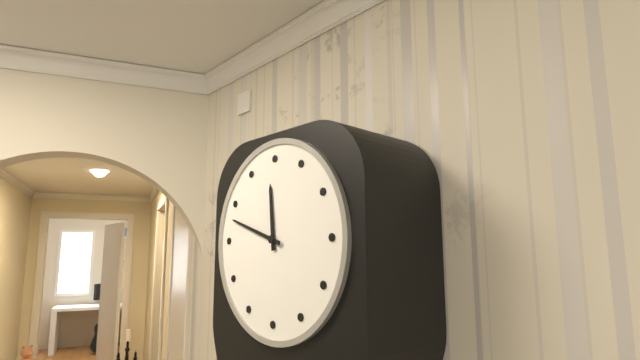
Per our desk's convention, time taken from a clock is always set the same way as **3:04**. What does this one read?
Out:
**11:48**
